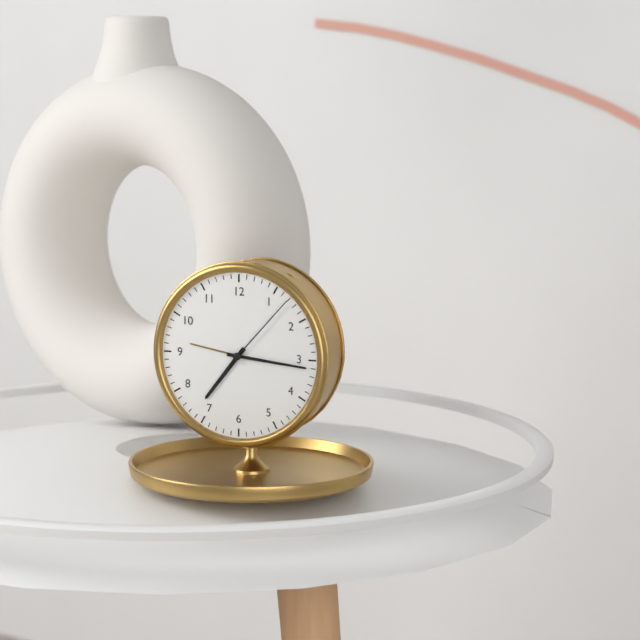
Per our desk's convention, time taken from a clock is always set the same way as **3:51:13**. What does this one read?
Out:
**7:16:07**
